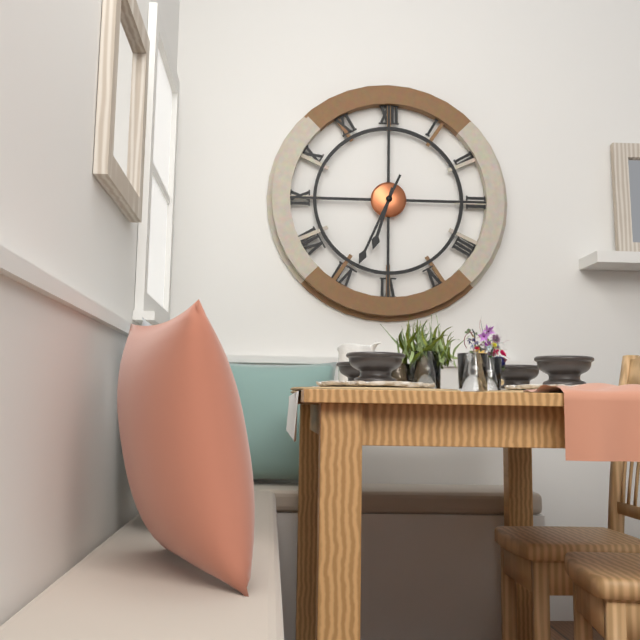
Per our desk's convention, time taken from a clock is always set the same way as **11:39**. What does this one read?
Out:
**6:34**
